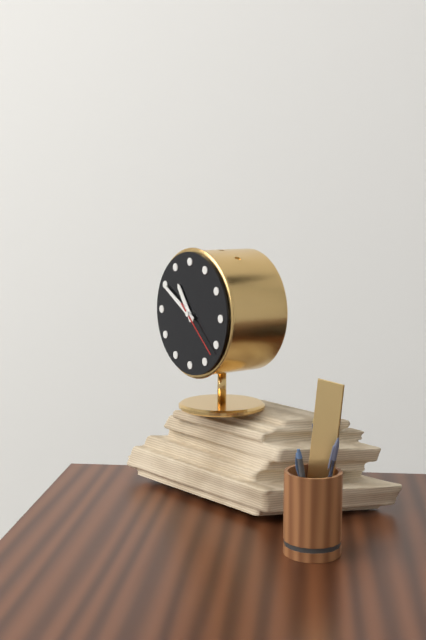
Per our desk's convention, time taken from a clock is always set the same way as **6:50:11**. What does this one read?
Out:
**10:50:22**
